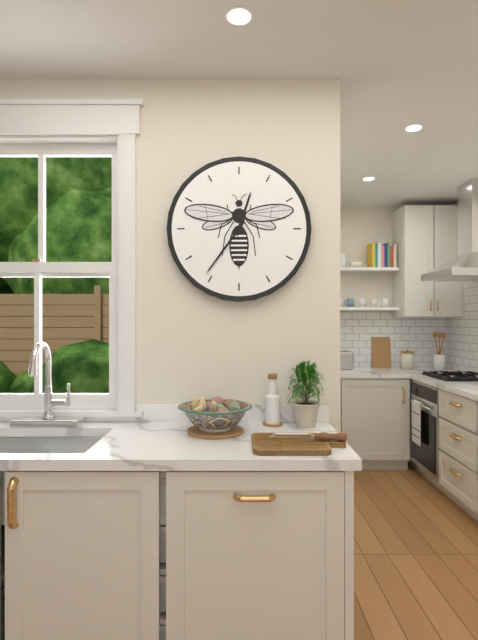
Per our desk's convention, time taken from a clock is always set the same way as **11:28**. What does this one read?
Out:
**12:36**
